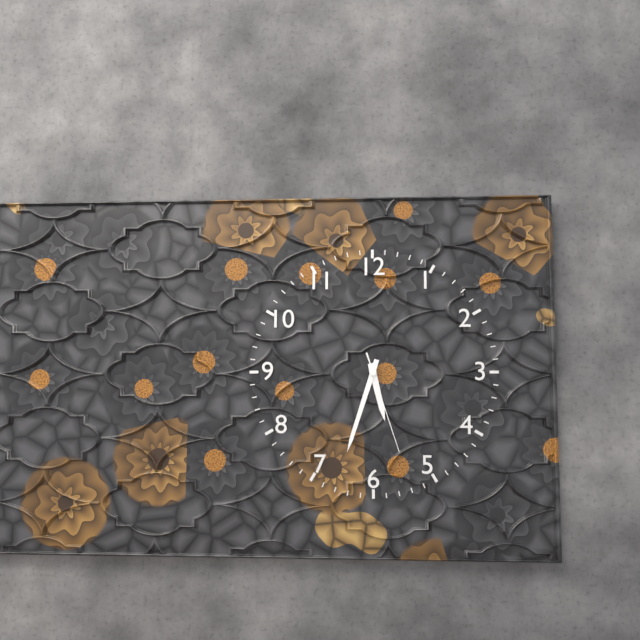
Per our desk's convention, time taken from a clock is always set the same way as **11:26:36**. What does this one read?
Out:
**5:33:27**
